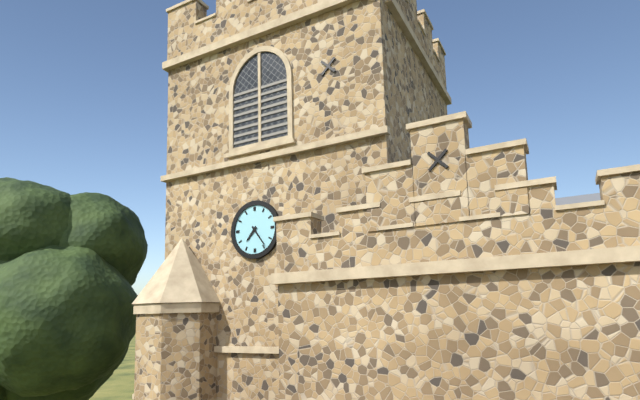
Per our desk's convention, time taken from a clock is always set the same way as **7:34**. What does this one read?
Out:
**7:24**
